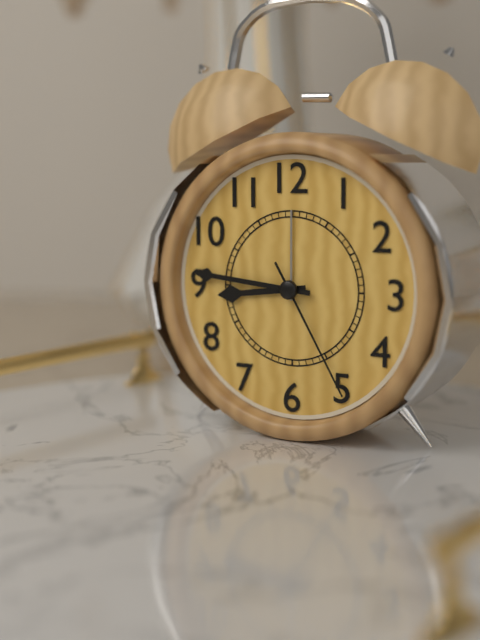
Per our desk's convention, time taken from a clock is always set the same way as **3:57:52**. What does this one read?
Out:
**8:46:25**
